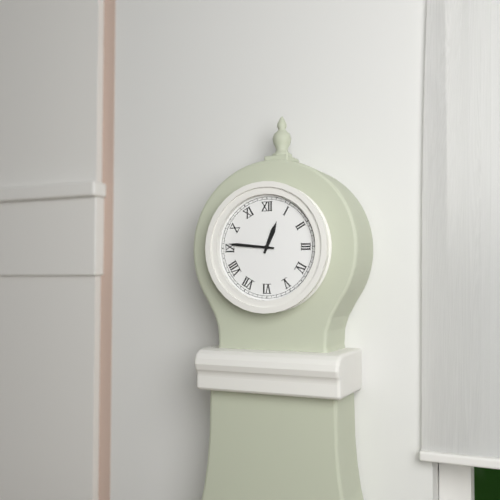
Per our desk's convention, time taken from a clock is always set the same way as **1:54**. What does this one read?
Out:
**12:46**
